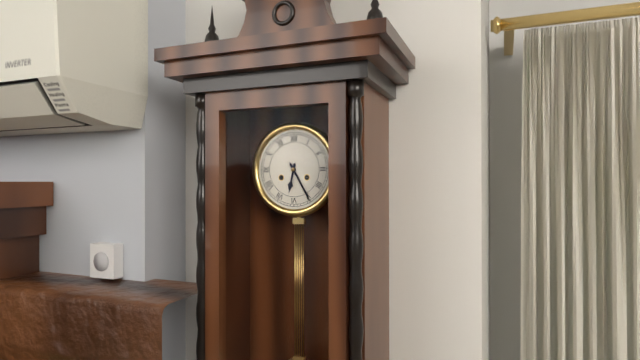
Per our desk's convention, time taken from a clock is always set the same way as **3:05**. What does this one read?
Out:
**6:25**
